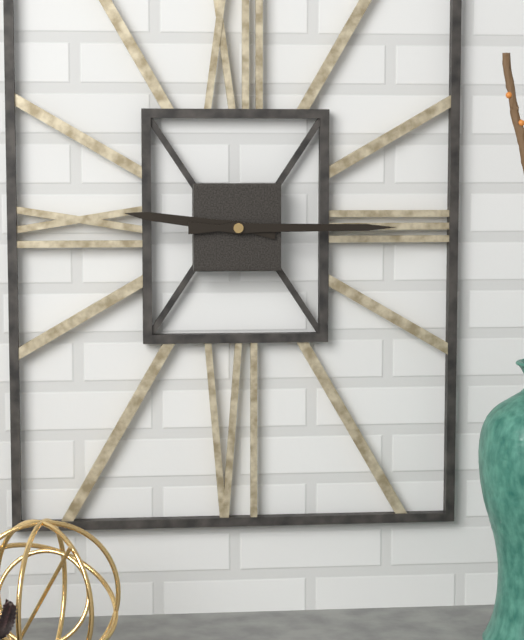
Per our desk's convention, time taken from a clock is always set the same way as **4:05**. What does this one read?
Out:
**9:15**
